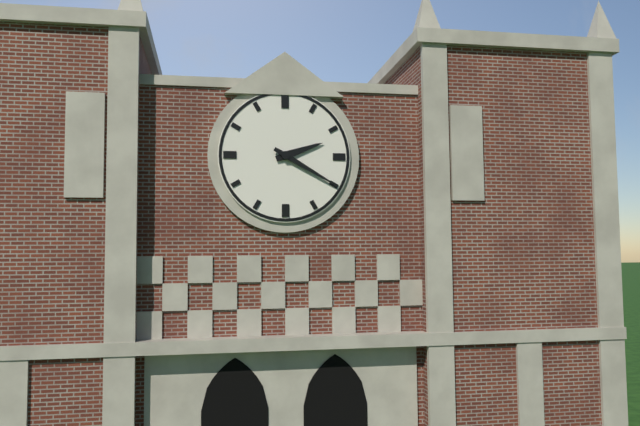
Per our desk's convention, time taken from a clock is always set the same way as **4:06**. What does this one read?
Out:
**2:20**
